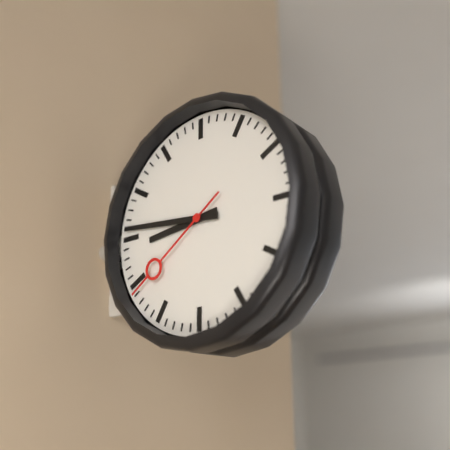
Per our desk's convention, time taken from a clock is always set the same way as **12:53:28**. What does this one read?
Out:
**8:46:39**
